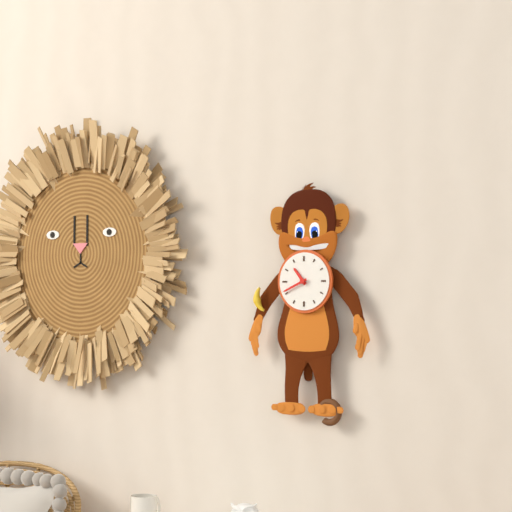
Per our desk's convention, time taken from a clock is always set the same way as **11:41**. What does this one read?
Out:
**10:41**
